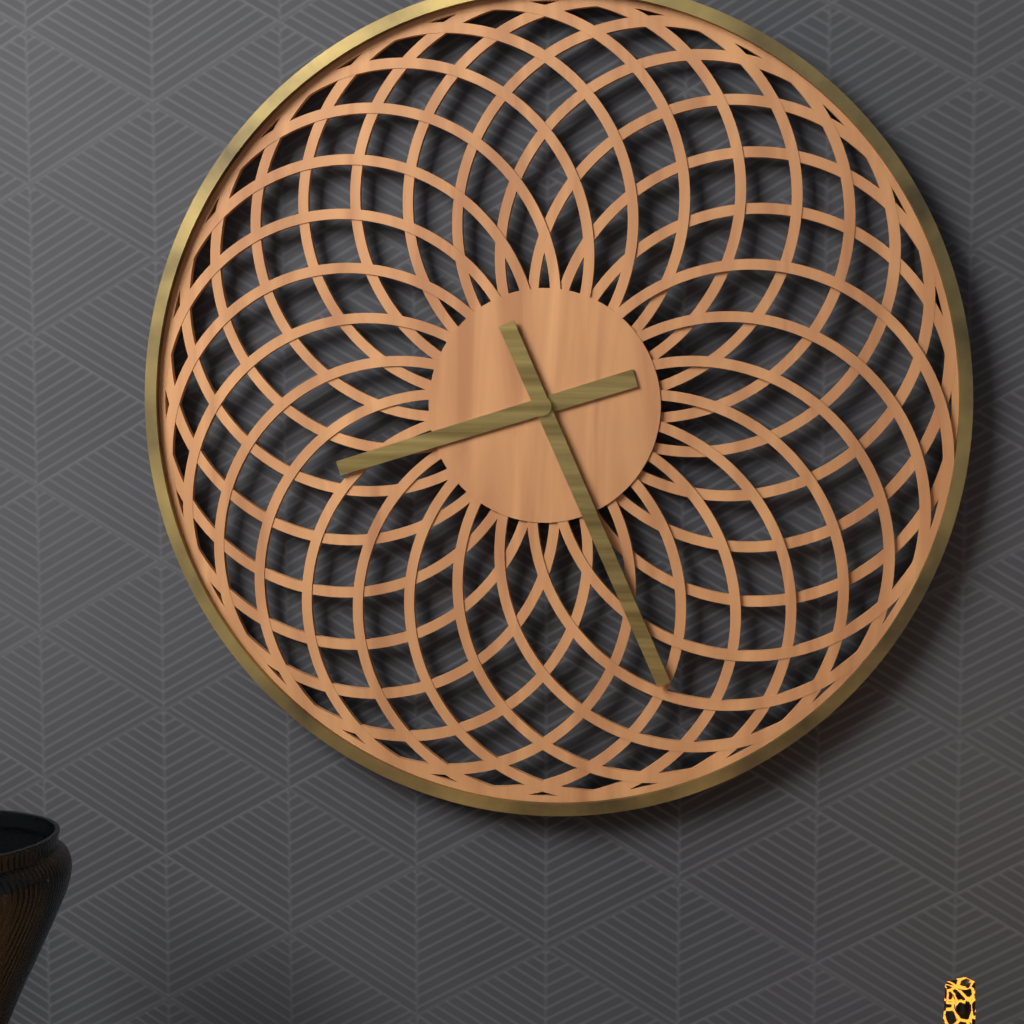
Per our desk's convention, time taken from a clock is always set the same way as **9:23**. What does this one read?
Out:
**8:26**
